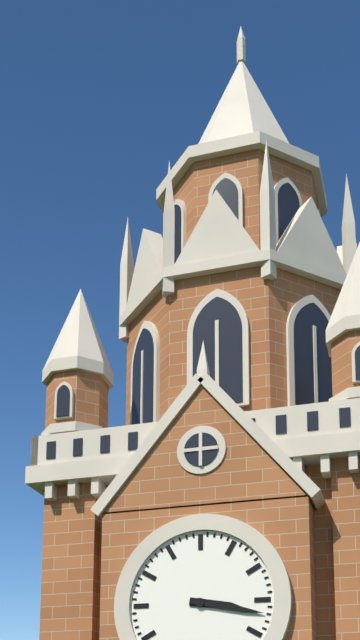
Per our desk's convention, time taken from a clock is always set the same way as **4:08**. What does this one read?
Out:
**3:17**
